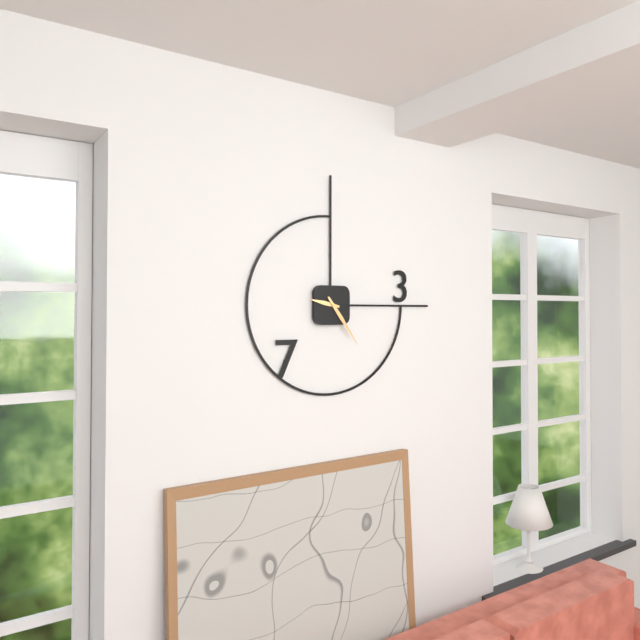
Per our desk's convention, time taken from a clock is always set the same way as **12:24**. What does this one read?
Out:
**9:24**
